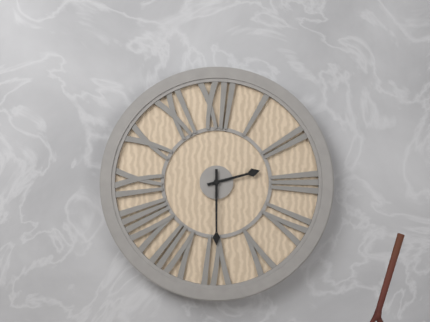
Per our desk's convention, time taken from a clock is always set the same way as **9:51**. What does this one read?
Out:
**2:30**
